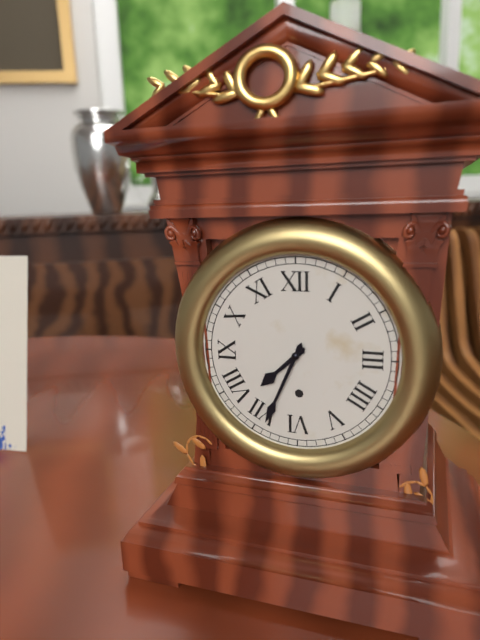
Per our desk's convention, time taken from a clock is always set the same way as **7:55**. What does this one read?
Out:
**7:34**
